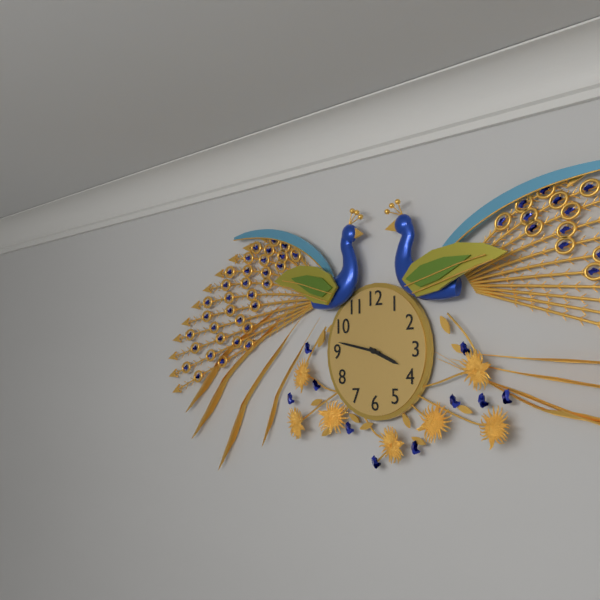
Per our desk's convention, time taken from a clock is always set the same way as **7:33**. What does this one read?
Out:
**3:47**
